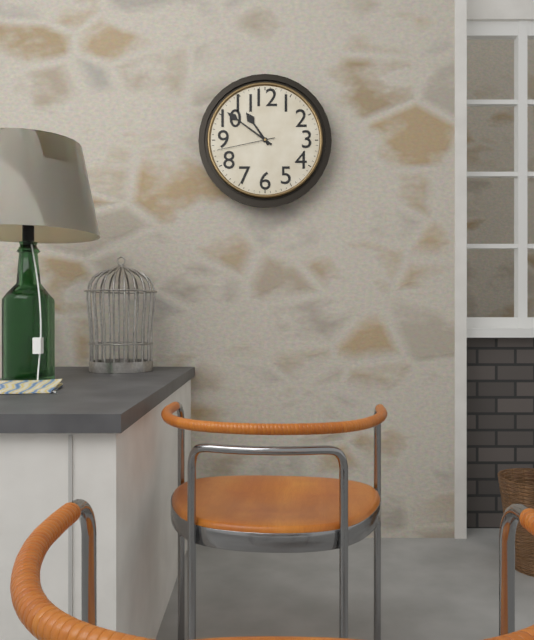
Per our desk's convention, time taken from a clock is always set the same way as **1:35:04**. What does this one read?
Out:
**10:51:43**
